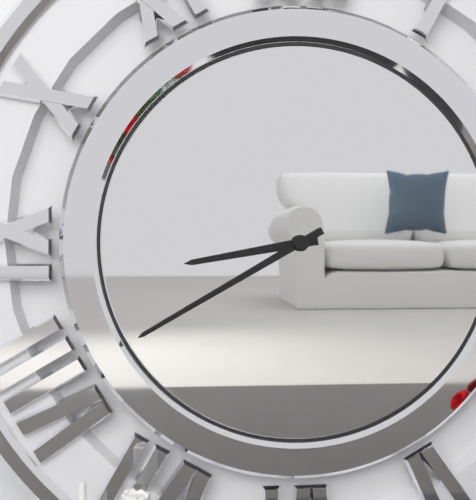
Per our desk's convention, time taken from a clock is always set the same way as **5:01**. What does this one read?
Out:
**8:40**
